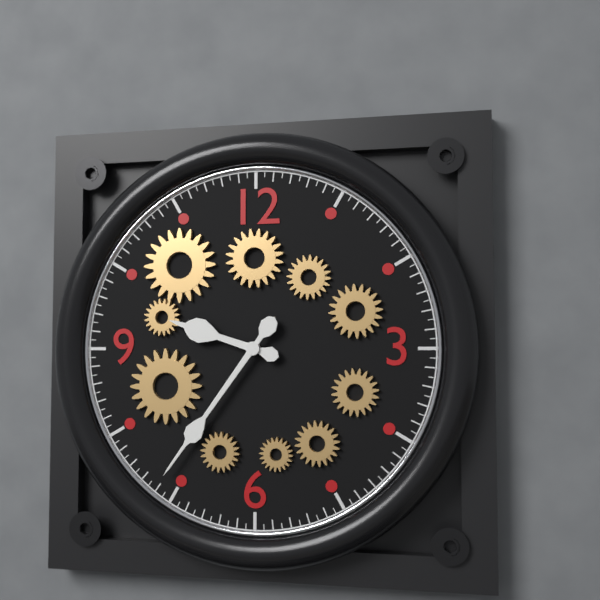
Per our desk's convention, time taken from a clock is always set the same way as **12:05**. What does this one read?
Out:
**9:36**
